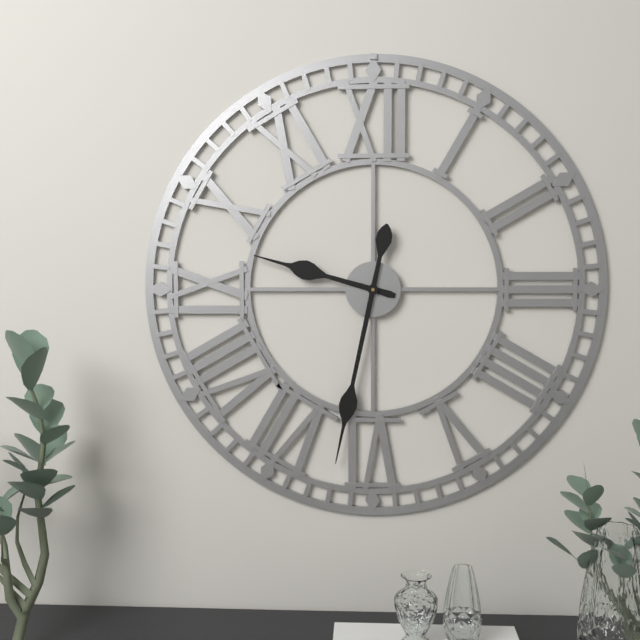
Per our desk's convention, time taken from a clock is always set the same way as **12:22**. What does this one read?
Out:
**9:32**
